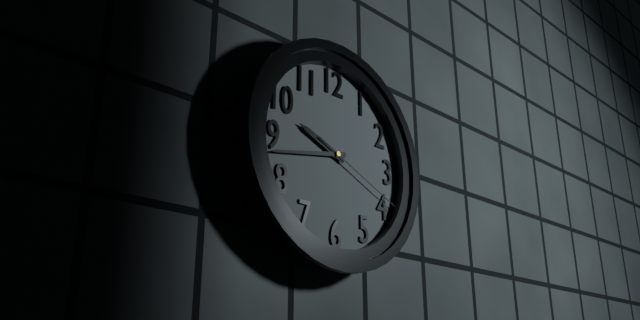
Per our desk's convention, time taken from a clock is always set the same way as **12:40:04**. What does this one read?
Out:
**9:43:19**
